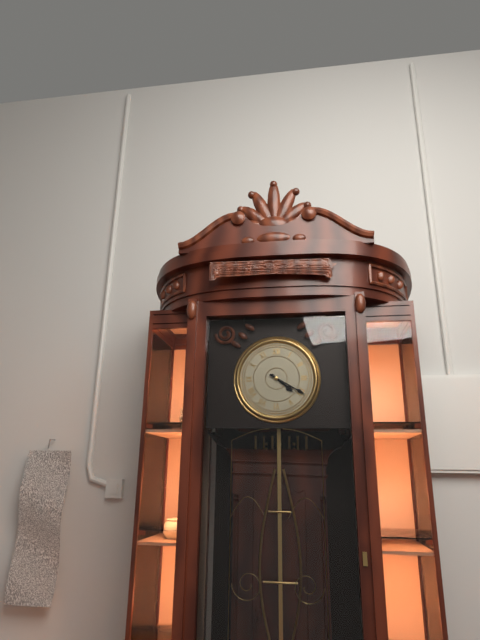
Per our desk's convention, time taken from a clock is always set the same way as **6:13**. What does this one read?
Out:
**4:20**
